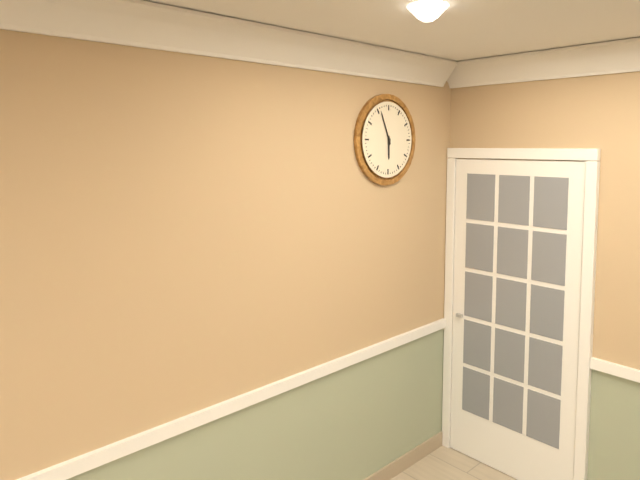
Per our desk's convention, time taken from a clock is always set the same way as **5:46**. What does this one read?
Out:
**5:56**
